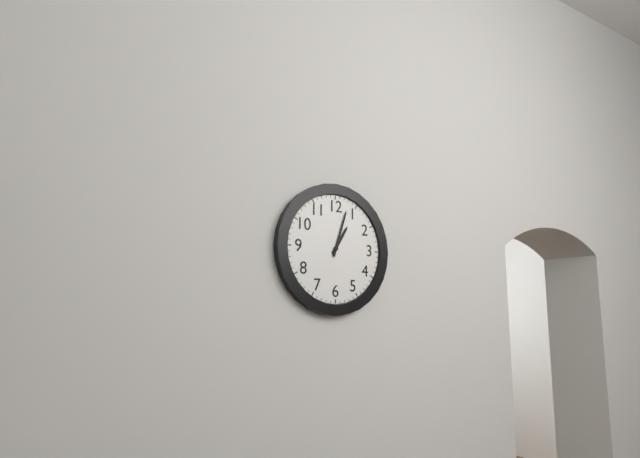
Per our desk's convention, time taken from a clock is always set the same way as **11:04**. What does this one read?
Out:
**1:03**
